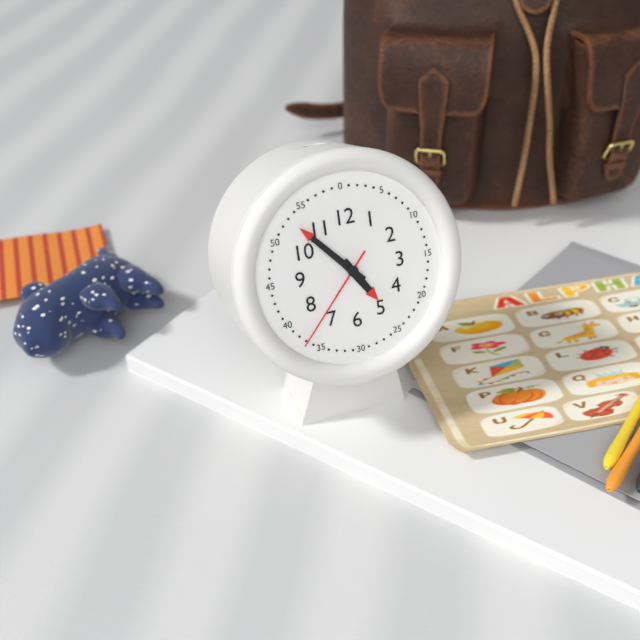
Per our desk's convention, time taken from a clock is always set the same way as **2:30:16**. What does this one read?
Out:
**4:53:37**
